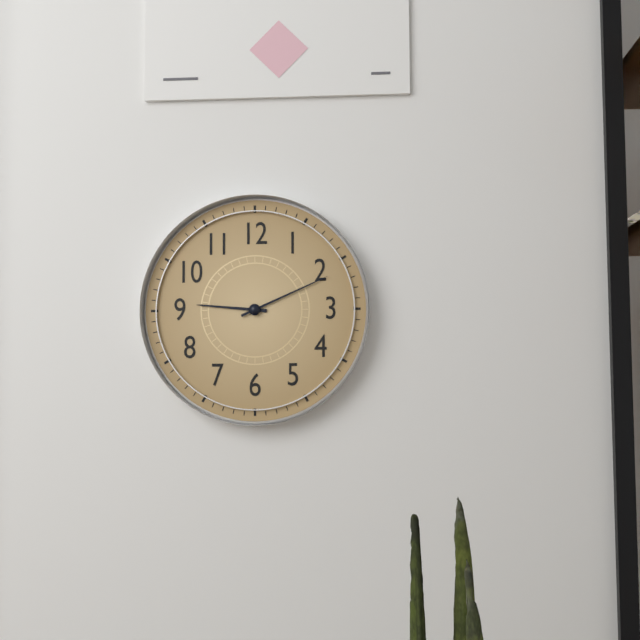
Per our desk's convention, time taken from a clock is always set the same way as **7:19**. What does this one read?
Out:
**9:11**
